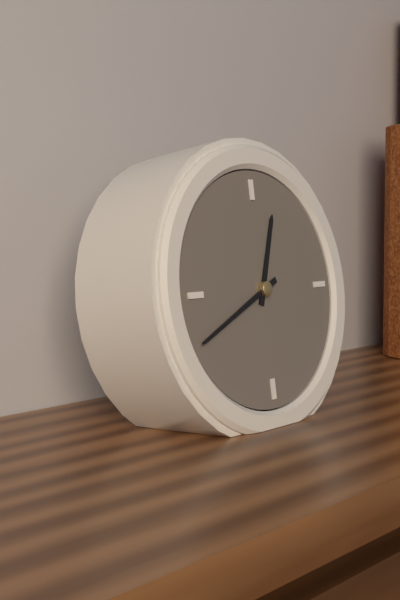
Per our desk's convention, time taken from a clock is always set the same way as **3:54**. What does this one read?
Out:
**12:41**
